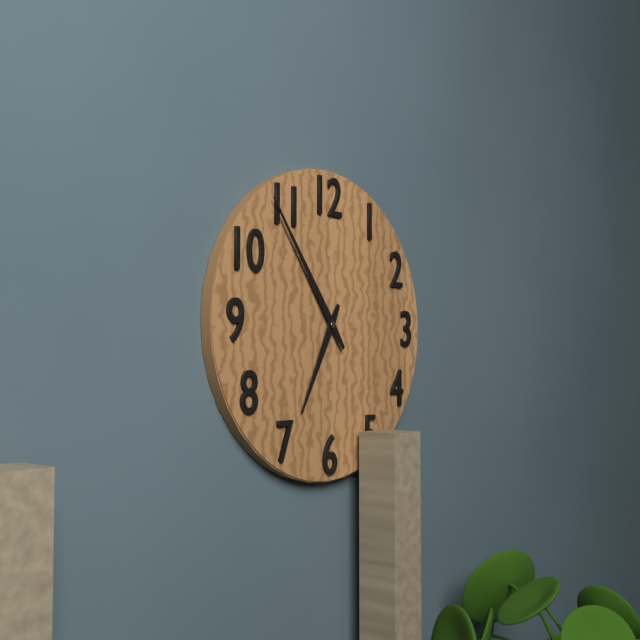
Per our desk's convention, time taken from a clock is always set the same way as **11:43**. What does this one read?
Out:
**6:54**
